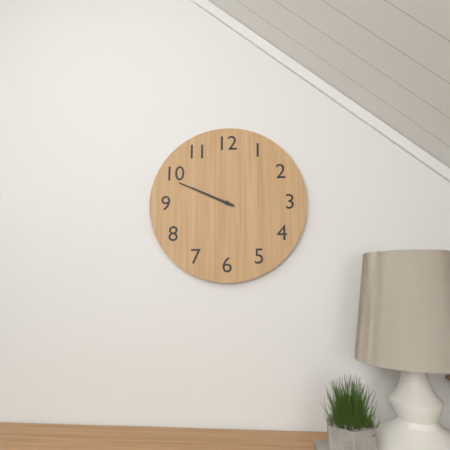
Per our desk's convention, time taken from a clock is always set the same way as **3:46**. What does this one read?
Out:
**9:49**
